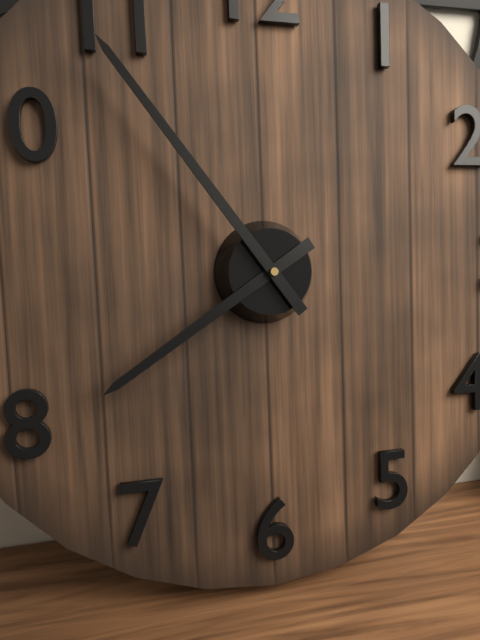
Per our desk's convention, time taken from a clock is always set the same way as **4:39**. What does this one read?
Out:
**7:54**
